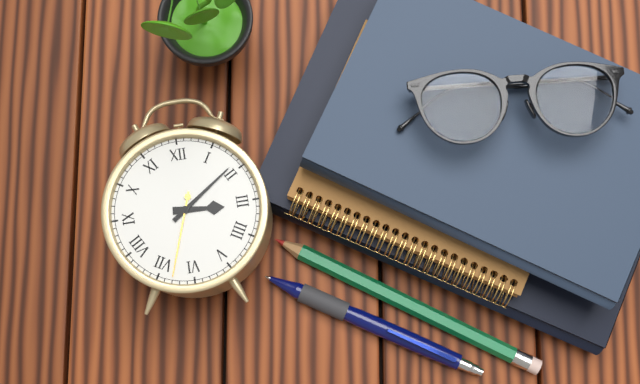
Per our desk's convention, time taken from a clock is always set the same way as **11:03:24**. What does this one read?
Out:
**3:09:33**
